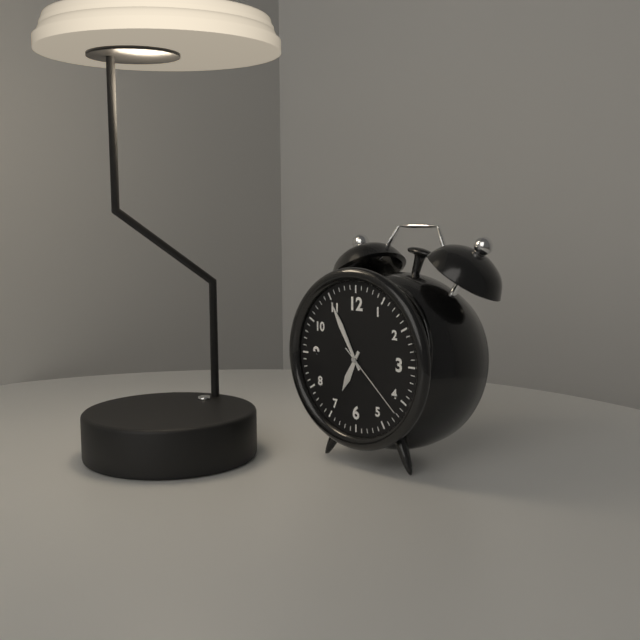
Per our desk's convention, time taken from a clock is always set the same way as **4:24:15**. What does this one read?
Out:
**6:55:22**
